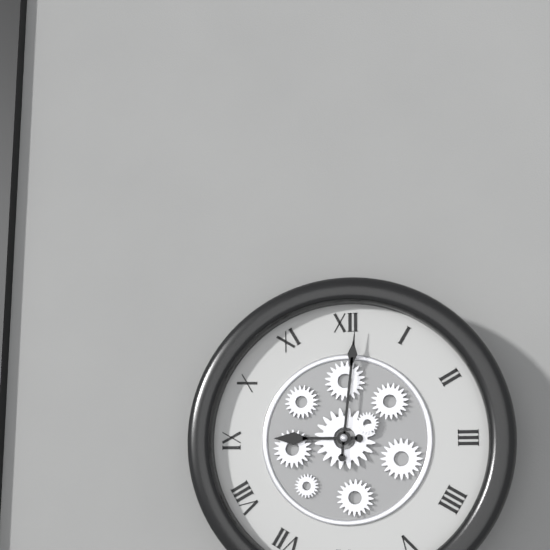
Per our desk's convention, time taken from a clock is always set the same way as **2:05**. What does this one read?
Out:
**9:01**
